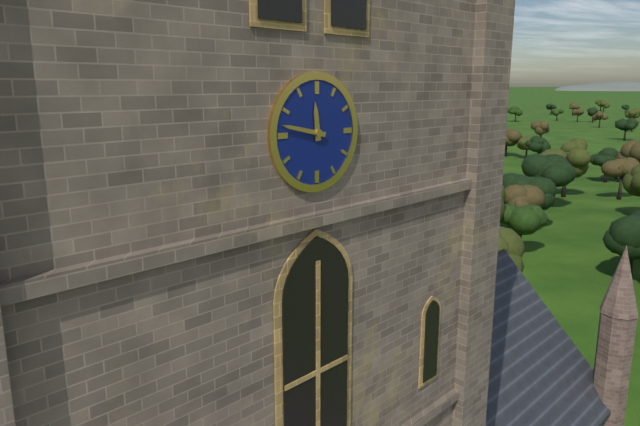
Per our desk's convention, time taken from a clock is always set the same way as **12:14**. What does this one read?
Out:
**11:47**
